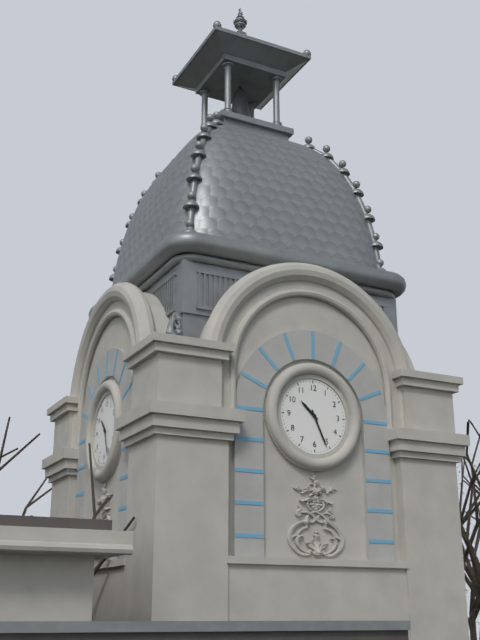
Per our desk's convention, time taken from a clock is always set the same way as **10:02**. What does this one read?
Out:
**10:26**
